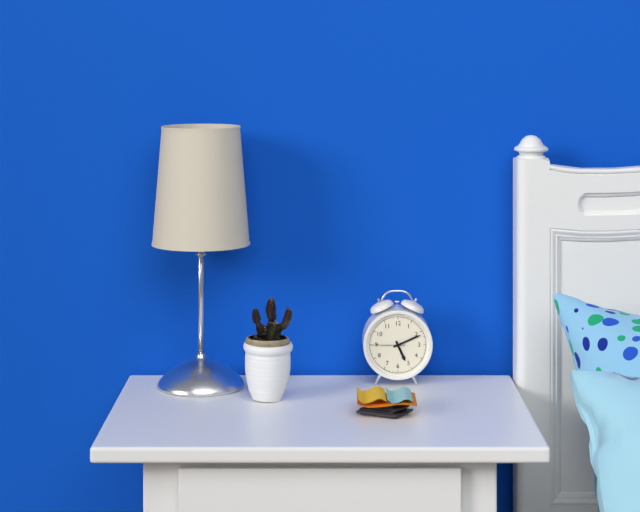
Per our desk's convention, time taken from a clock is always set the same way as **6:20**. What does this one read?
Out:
**5:11**
